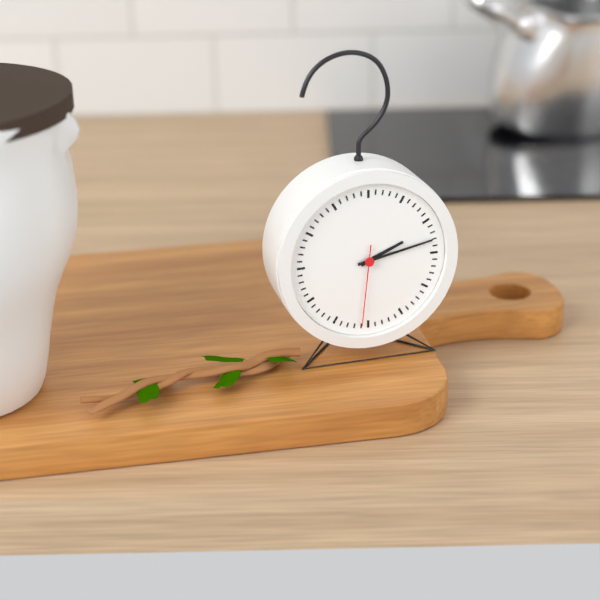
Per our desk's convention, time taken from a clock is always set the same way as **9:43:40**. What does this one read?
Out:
**2:13:31**
